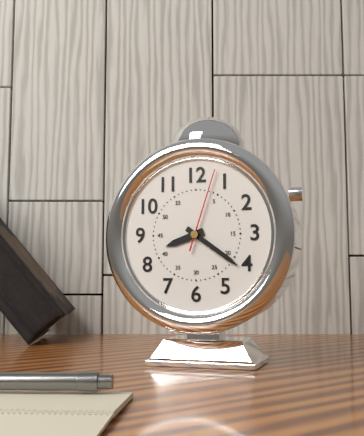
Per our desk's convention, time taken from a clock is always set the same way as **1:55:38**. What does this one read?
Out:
**8:21:03**
